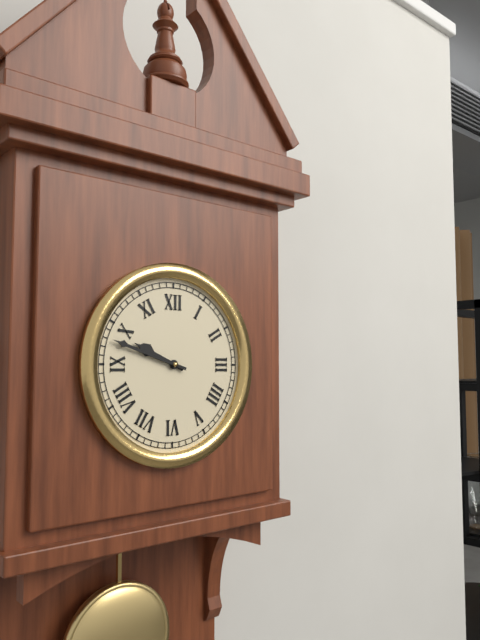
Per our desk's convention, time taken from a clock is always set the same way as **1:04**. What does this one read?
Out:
**9:48**
